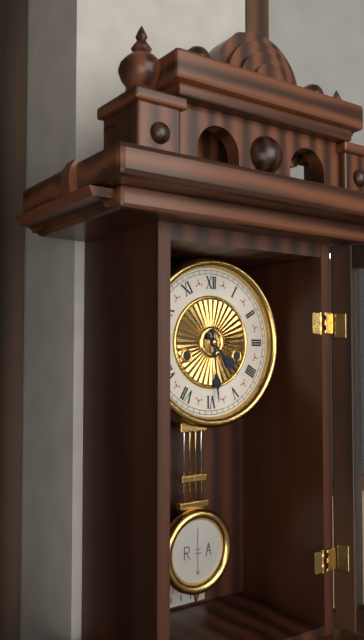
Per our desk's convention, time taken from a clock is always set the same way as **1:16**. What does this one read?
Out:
**4:29**
